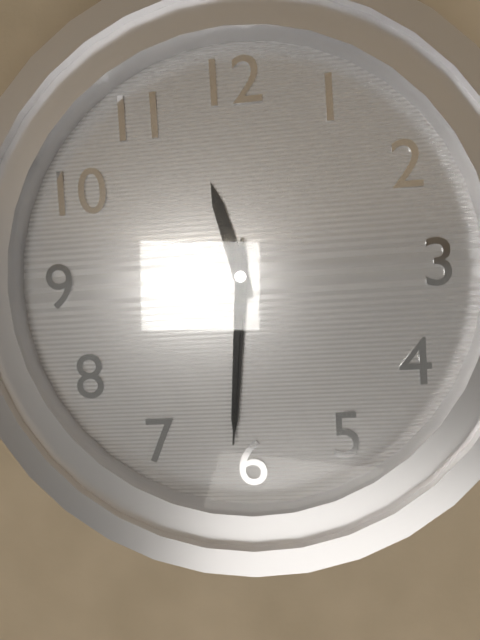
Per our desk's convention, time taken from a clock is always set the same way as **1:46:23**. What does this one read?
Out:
**11:31:31**
